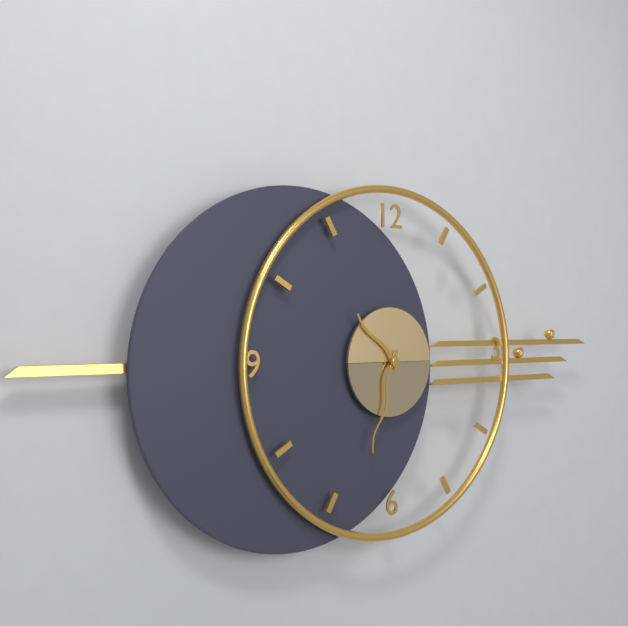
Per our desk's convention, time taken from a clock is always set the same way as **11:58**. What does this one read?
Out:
**10:33**
